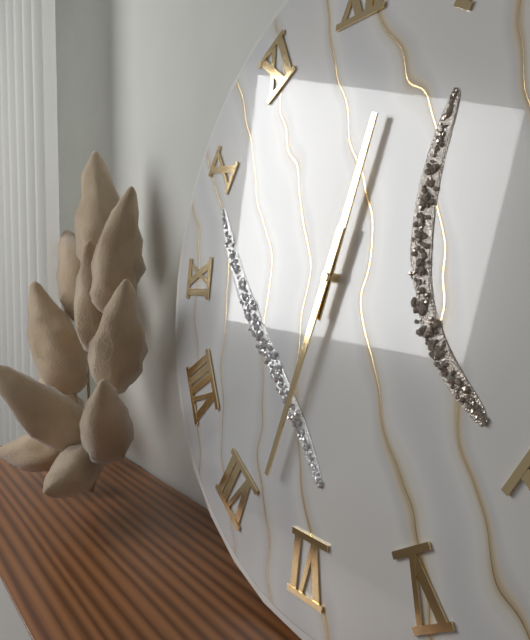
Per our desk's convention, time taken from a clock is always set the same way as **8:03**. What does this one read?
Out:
**12:33**
